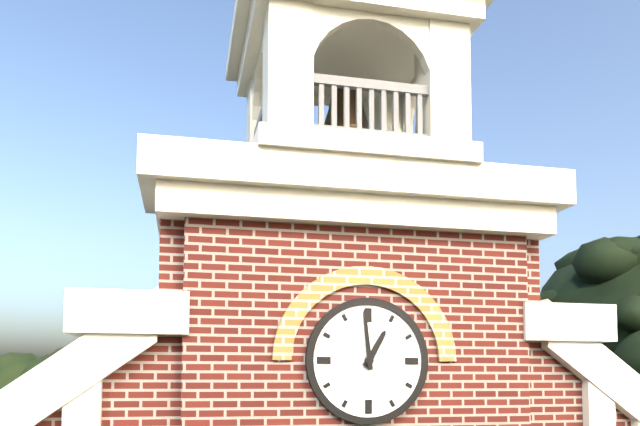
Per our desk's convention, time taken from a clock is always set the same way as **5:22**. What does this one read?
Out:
**12:59**
